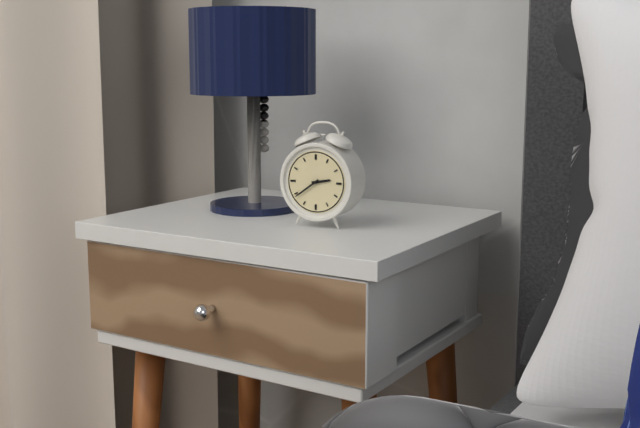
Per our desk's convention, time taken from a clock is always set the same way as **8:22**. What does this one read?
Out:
**2:39**
